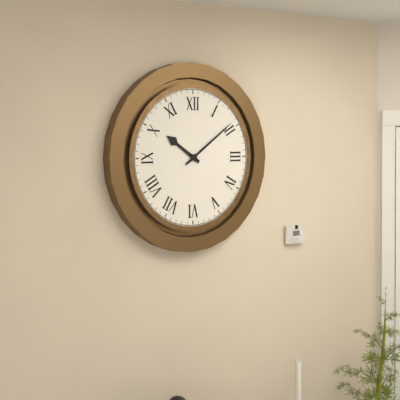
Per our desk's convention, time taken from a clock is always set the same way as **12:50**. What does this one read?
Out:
**10:09**
